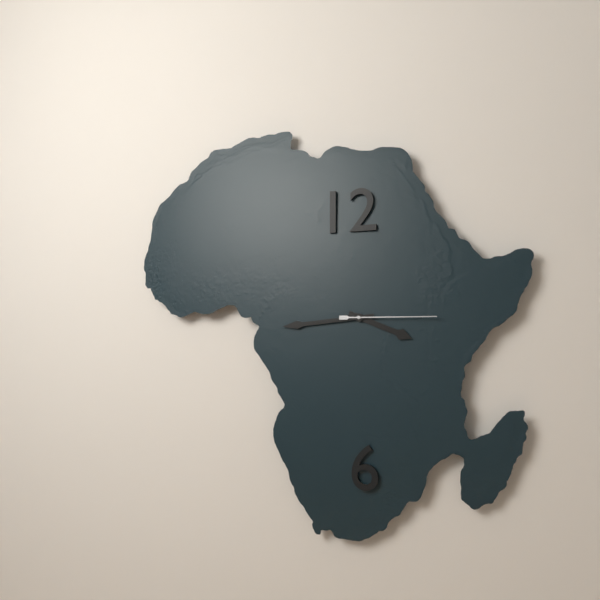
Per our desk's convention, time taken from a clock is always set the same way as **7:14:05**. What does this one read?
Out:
**3:44:15**
